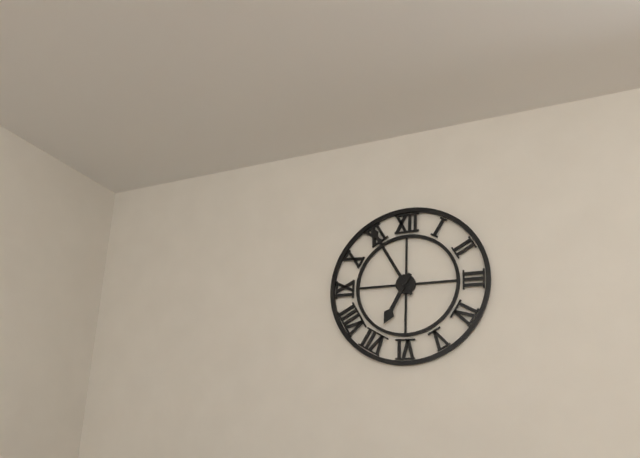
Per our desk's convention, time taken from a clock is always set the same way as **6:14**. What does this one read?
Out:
**6:55**
